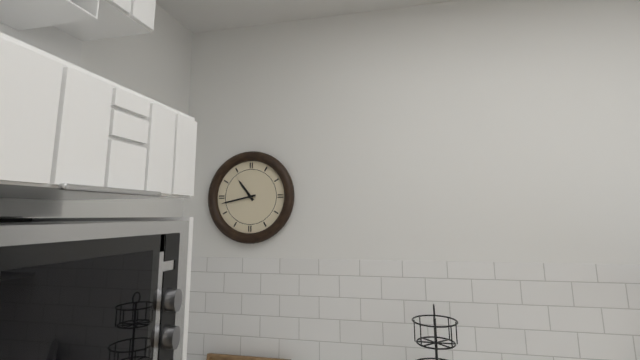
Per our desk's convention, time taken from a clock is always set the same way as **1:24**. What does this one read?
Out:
**10:43**
